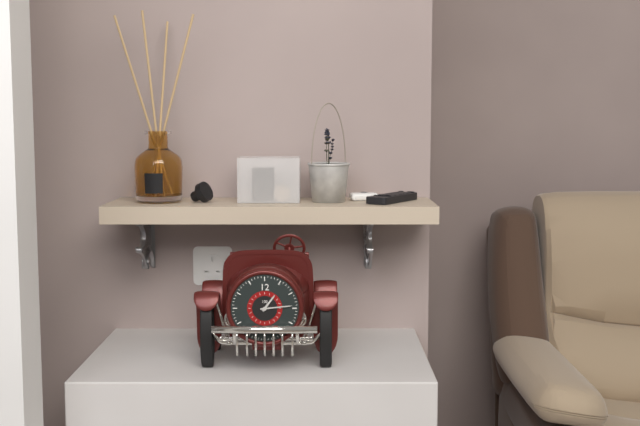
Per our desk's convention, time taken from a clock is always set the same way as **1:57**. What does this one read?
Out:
**1:14**
